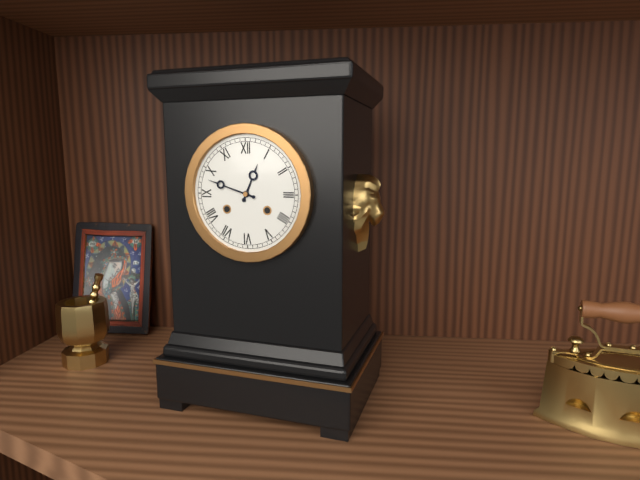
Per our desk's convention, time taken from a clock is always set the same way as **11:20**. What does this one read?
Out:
**12:48**
